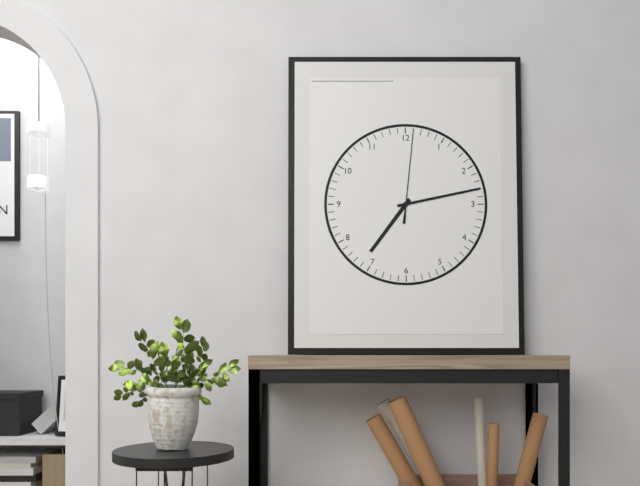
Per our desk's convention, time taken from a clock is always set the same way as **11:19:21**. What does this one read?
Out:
**7:13:01**
